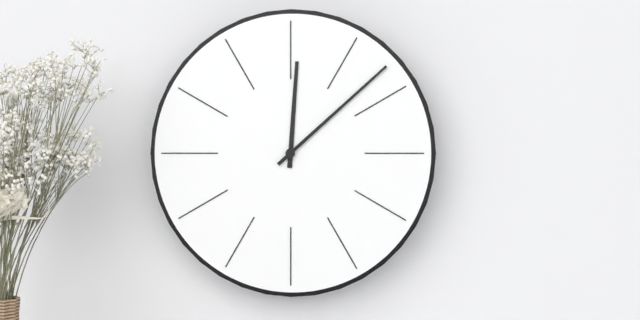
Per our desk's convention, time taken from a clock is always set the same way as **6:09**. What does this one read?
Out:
**12:08**
